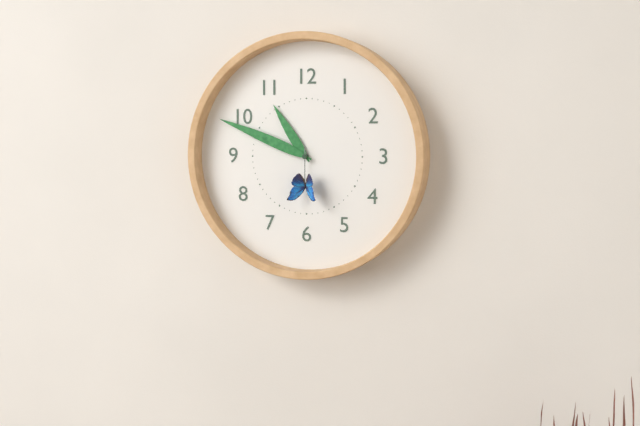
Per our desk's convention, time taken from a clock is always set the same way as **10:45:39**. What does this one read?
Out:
**10:49:30**
